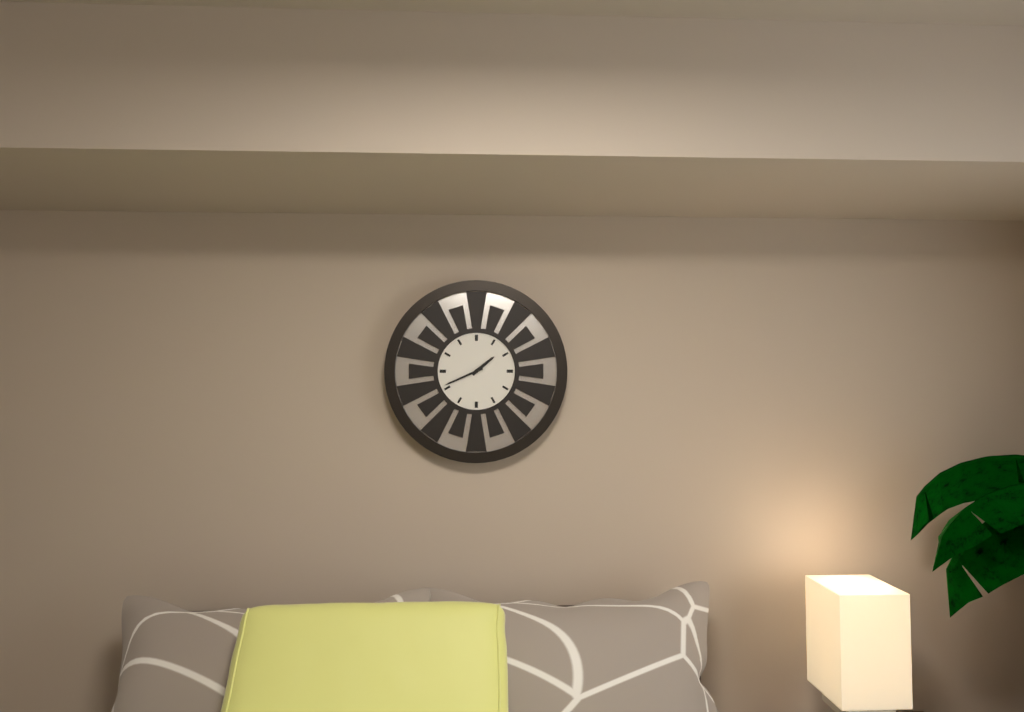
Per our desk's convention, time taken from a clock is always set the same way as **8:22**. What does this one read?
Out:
**1:41**
